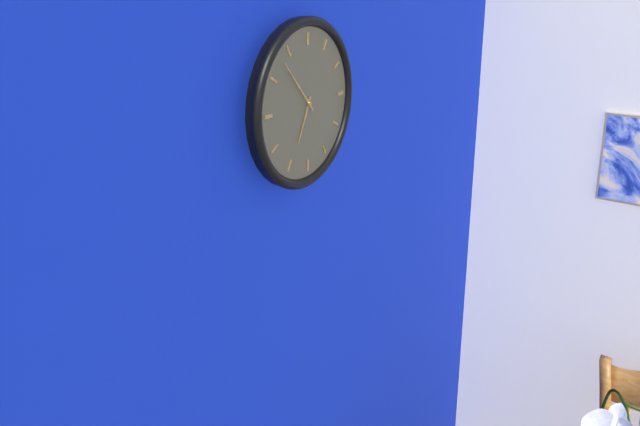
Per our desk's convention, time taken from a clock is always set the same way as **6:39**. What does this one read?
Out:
**6:53**
